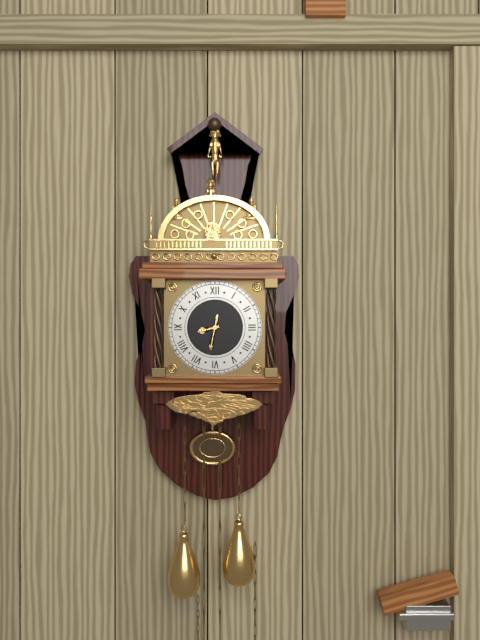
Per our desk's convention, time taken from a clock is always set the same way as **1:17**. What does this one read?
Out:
**8:32**
